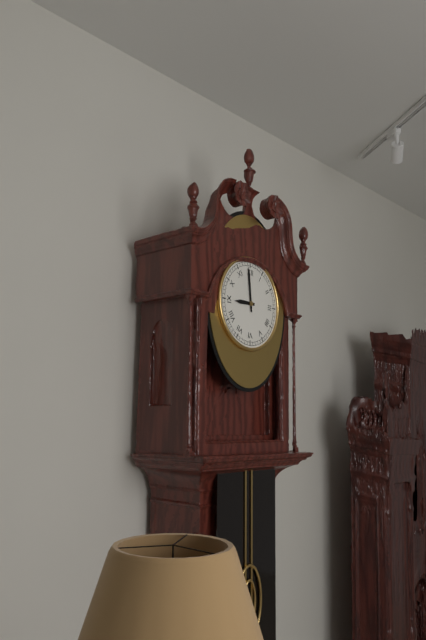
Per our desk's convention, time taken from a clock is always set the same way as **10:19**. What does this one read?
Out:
**8:59**
